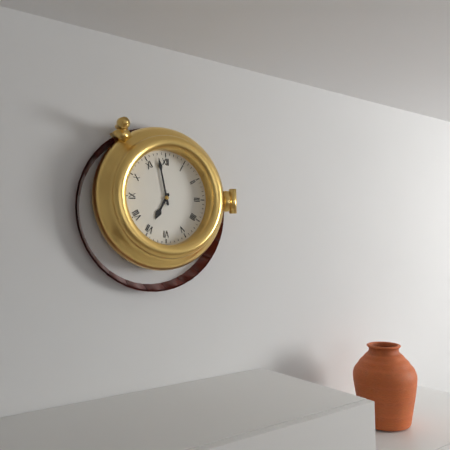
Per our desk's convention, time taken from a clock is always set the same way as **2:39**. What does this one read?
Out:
**6:58**
